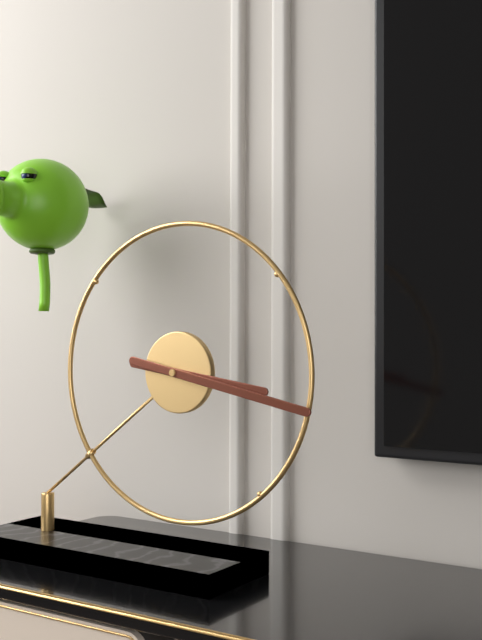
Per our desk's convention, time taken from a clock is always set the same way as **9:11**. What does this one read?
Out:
**3:17**
